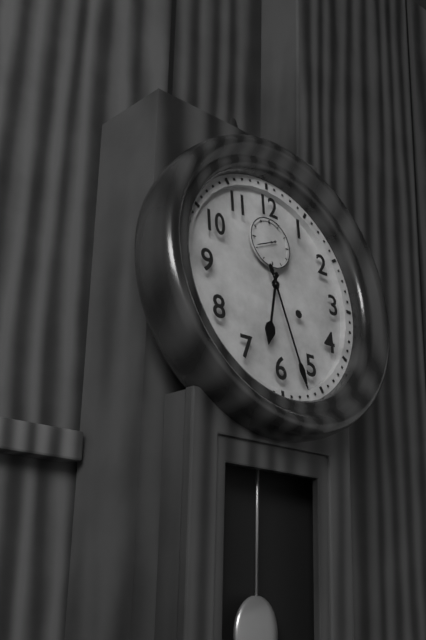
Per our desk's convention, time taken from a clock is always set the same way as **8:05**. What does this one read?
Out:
**6:27**
